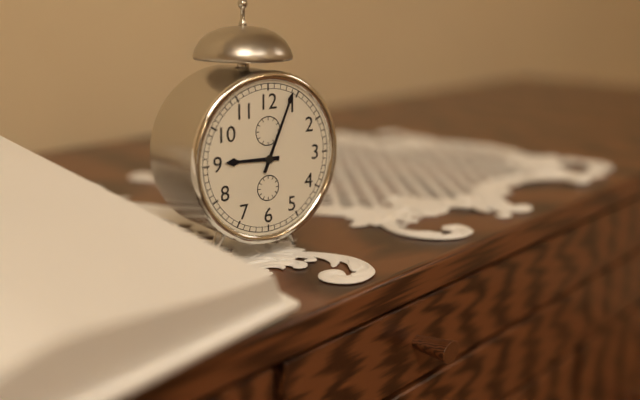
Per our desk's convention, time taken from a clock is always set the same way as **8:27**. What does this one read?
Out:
**9:04**
